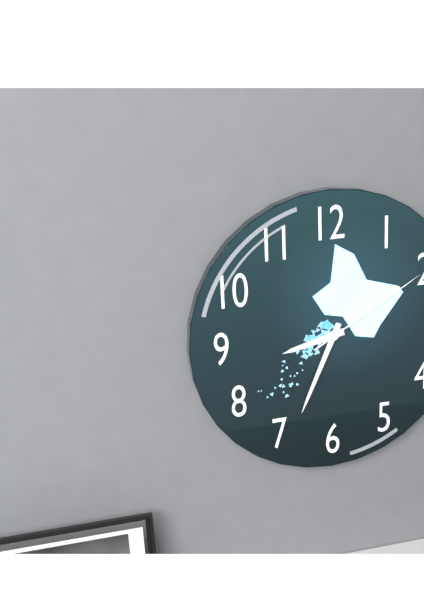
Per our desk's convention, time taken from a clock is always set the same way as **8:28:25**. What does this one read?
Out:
**8:34:10**
